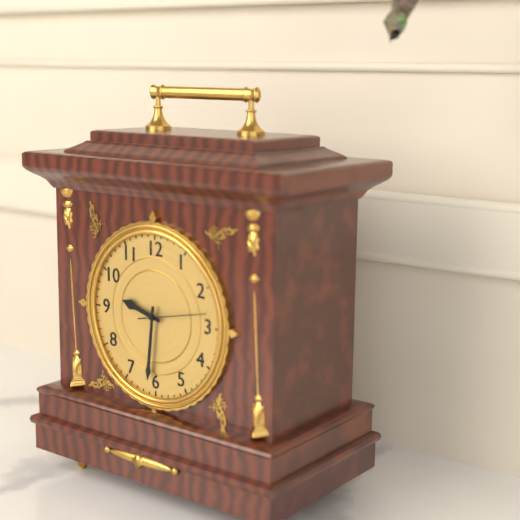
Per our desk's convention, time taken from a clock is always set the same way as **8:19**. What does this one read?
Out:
**9:31**
